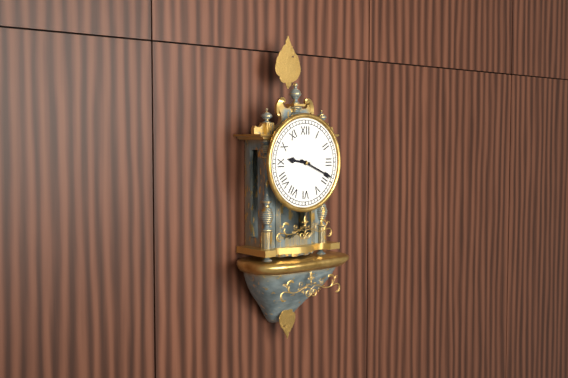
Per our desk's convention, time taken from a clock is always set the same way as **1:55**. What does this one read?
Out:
**9:19**
